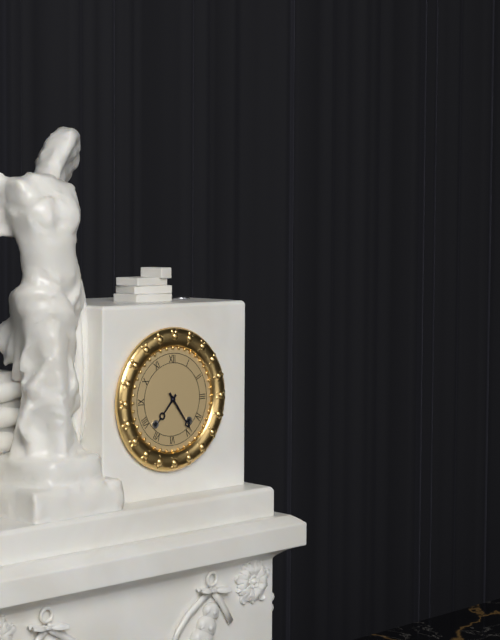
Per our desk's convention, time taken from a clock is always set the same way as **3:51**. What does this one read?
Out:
**7:24**
